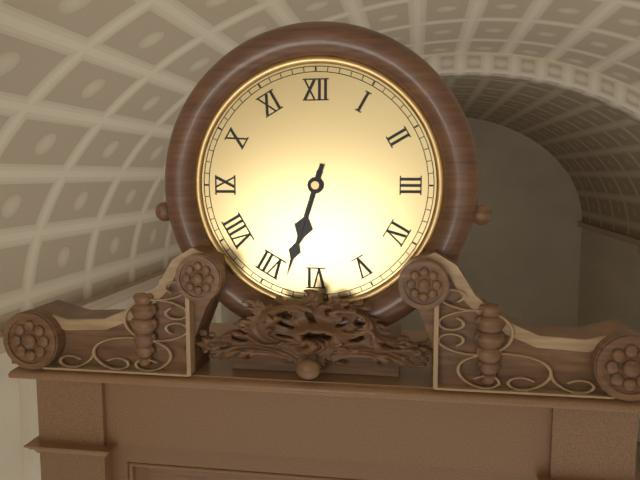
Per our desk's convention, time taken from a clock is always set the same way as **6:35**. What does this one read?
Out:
**6:33**
